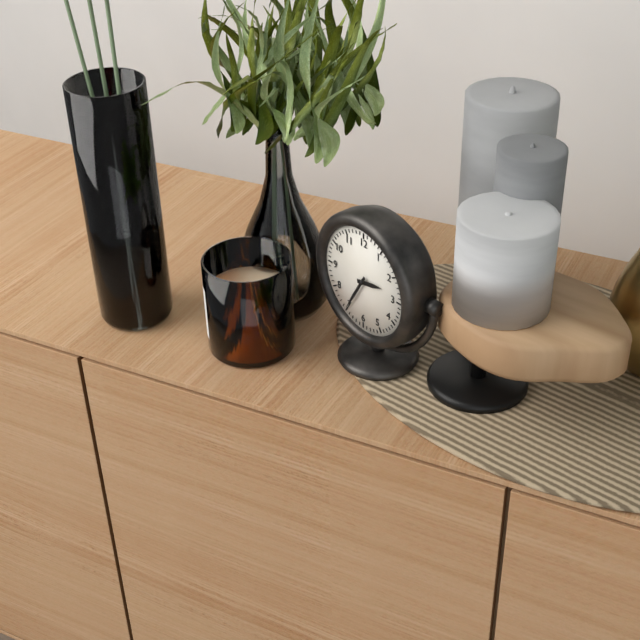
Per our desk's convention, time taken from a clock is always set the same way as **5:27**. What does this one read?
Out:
**2:35**
